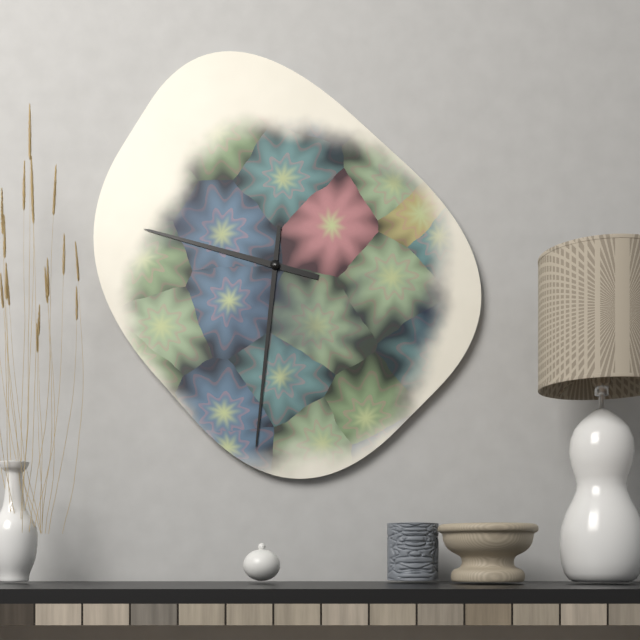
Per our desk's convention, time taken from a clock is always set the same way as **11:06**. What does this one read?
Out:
**9:31**
